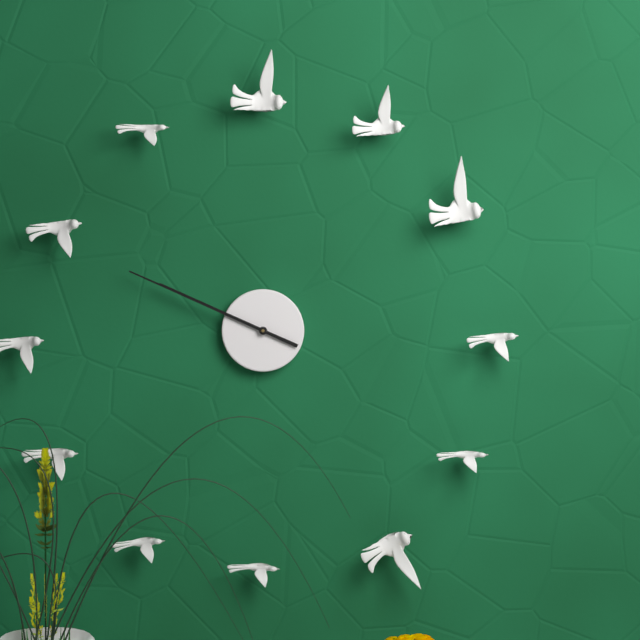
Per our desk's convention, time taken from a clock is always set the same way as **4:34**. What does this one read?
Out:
**9:49**
